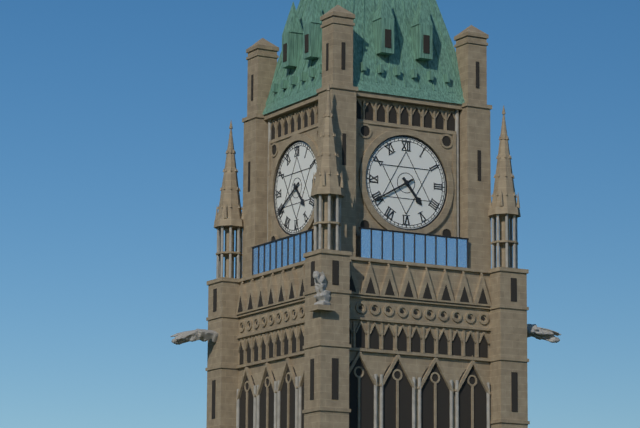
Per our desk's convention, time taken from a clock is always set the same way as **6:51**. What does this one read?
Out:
**4:40**
